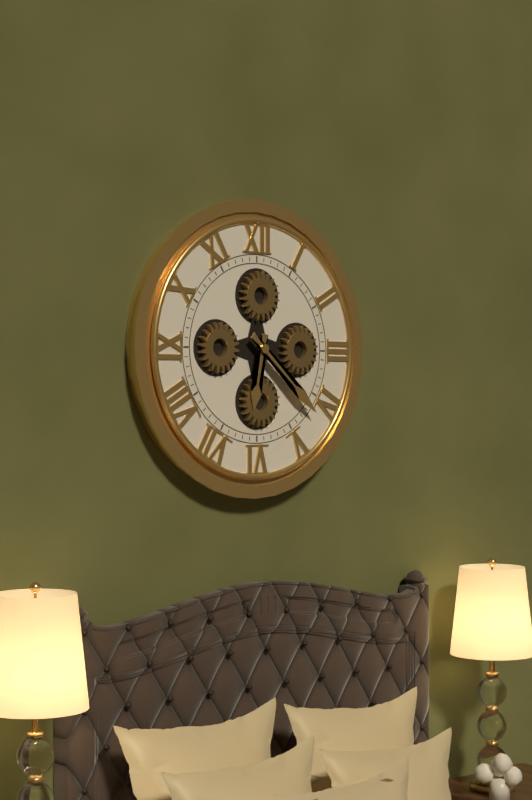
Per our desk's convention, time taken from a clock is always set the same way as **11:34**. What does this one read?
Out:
**6:22**
